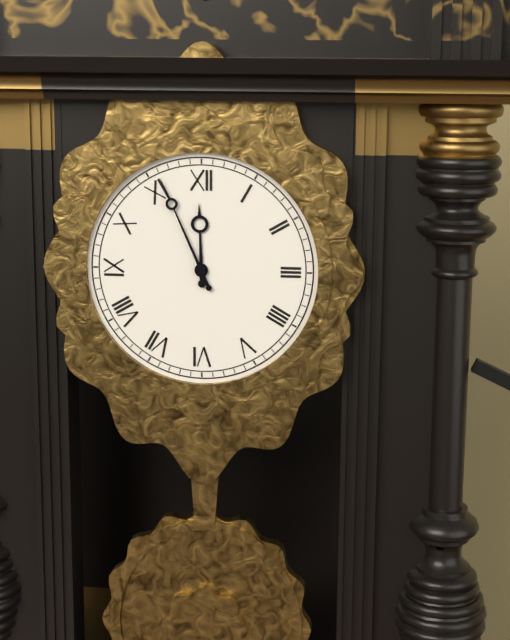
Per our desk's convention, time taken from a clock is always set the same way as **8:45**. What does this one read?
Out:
**11:56**
